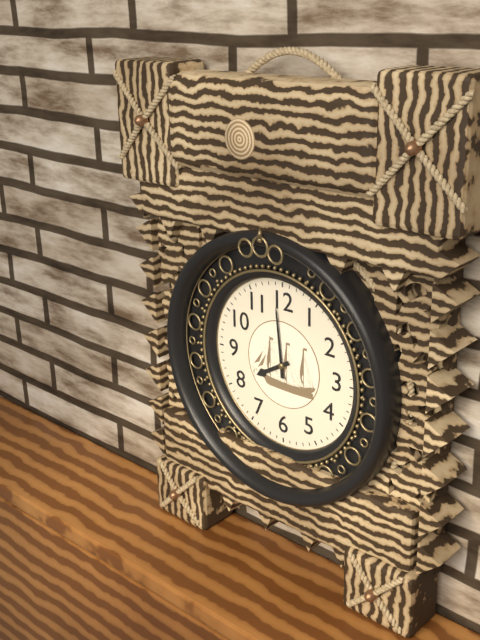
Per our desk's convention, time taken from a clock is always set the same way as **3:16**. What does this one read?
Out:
**7:59**
